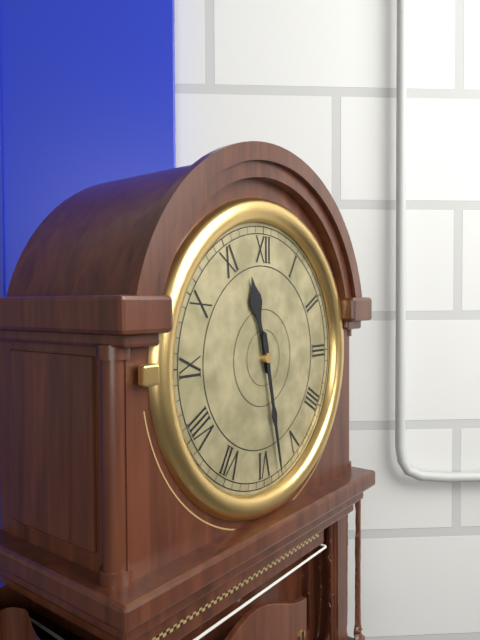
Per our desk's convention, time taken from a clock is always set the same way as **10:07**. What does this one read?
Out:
**11:28**
